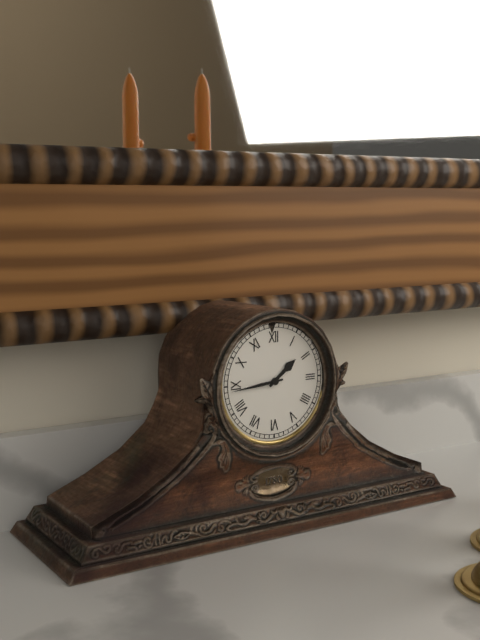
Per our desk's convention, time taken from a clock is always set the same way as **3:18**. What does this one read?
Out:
**1:44**
